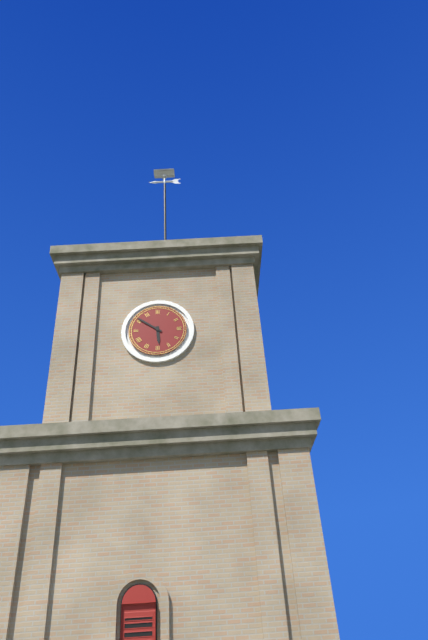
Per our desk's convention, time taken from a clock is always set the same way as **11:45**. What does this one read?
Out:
**5:51**
